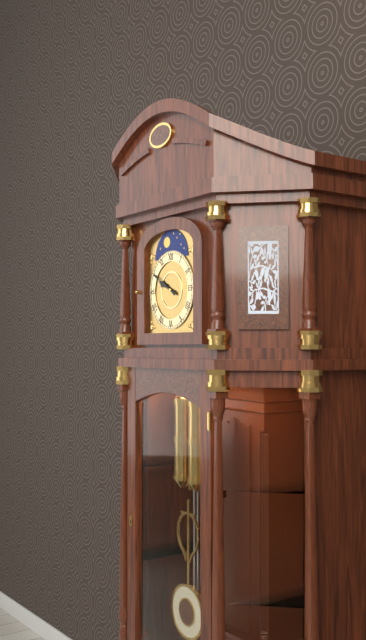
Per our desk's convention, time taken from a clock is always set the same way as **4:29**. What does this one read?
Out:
**9:50**
